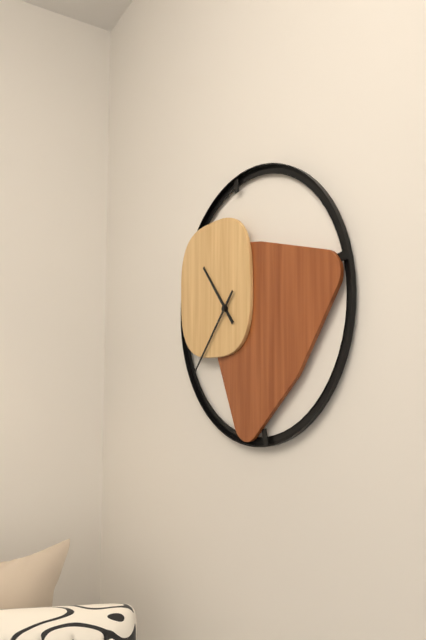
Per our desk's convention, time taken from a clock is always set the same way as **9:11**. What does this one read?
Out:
**10:37**
